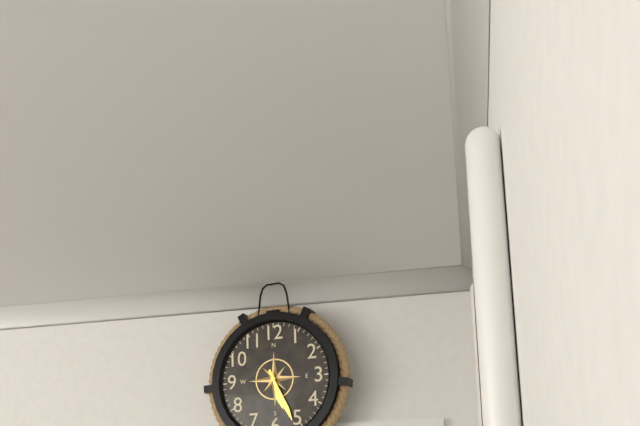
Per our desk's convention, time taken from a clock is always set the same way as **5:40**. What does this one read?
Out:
**5:26**
